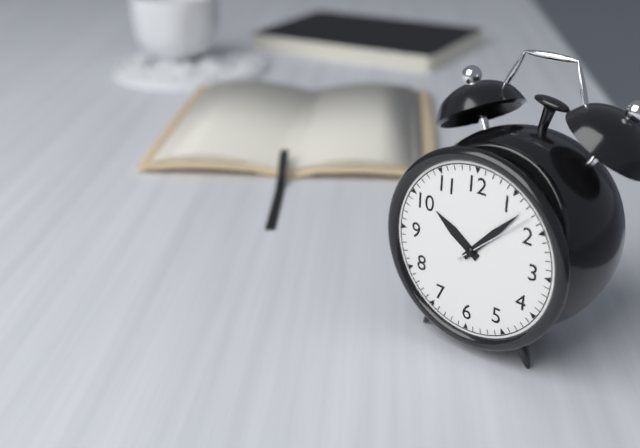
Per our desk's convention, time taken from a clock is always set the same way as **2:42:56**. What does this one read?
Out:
**10:07:08**
